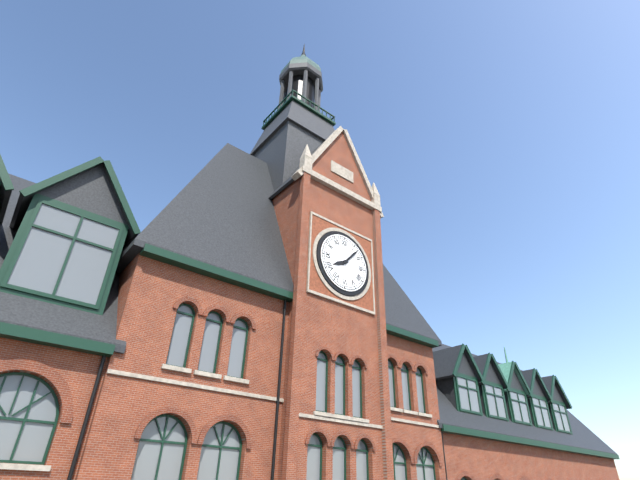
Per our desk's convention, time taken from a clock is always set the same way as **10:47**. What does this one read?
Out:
**8:07**
